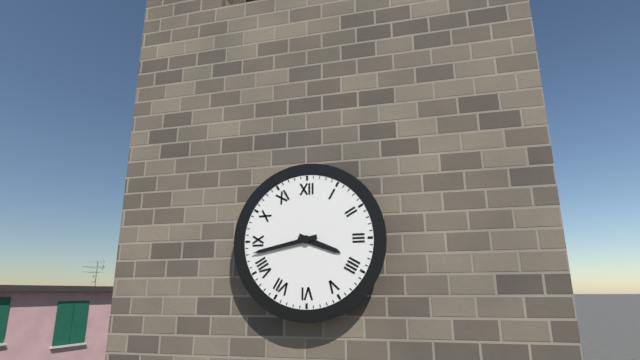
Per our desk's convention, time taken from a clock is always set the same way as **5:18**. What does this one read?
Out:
**3:43**
